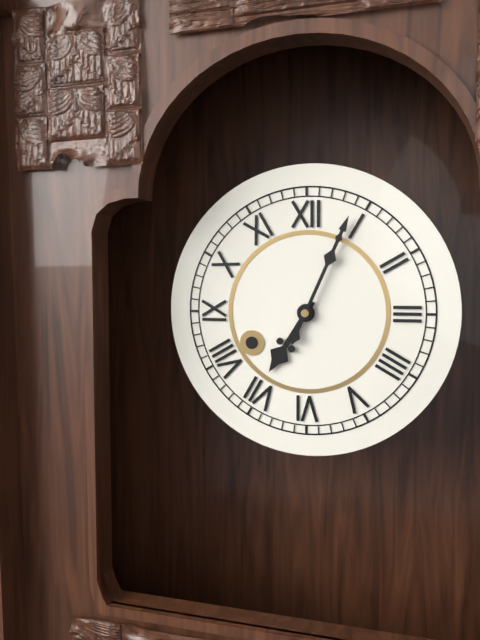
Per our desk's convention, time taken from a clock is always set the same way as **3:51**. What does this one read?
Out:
**7:04**
